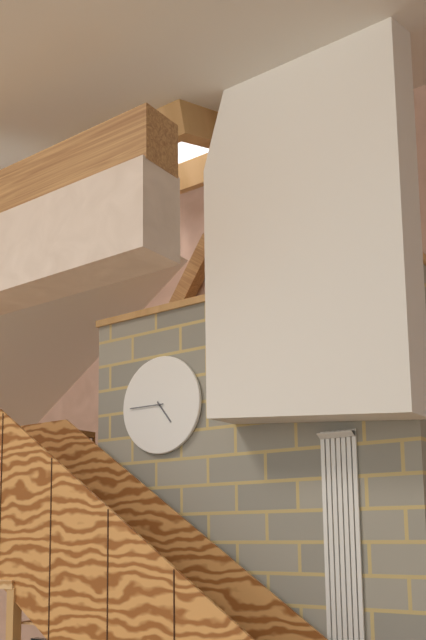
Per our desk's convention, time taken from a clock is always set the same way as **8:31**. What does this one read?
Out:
**4:45**
